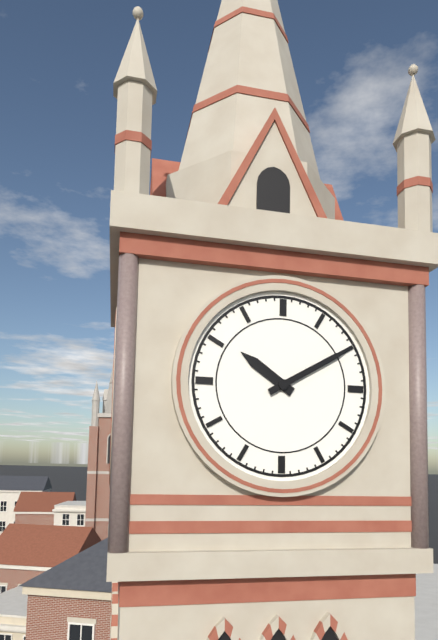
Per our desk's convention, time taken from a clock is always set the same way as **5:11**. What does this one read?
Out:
**10:10**
